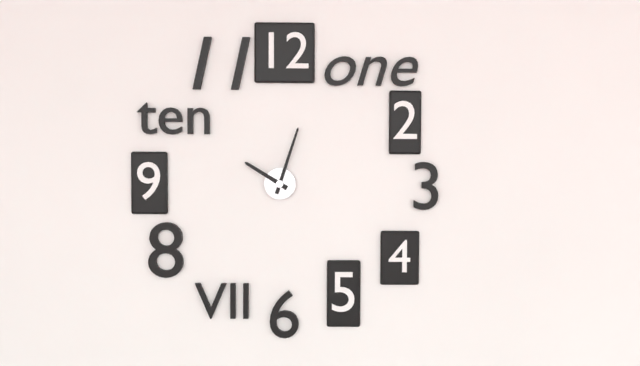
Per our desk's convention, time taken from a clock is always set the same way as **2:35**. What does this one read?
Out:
**10:03**
